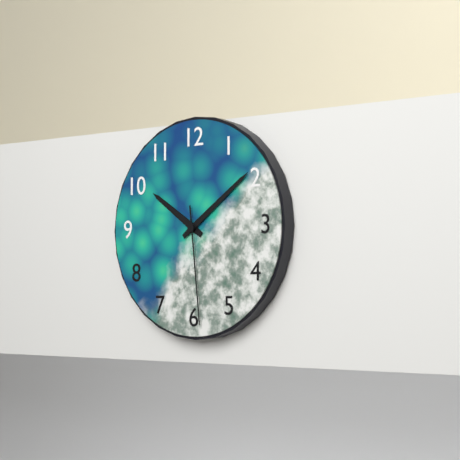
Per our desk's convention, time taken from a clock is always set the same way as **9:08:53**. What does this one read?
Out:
**10:09:29**
